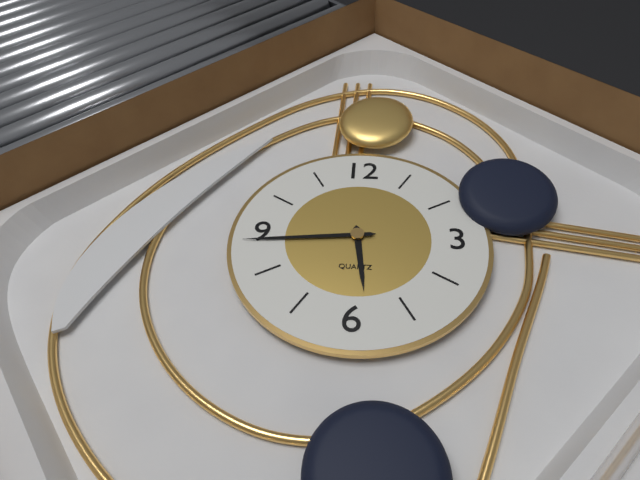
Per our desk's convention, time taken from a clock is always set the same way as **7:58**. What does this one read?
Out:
**5:44**
